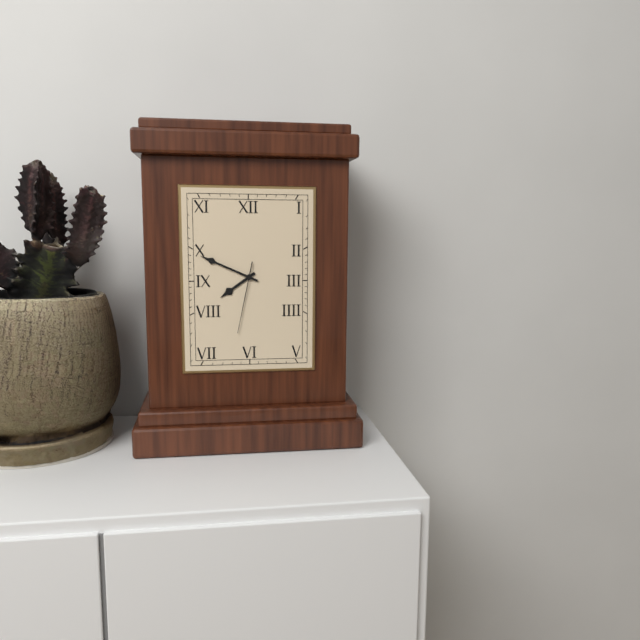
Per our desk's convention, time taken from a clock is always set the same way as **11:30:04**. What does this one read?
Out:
**7:49:32**
